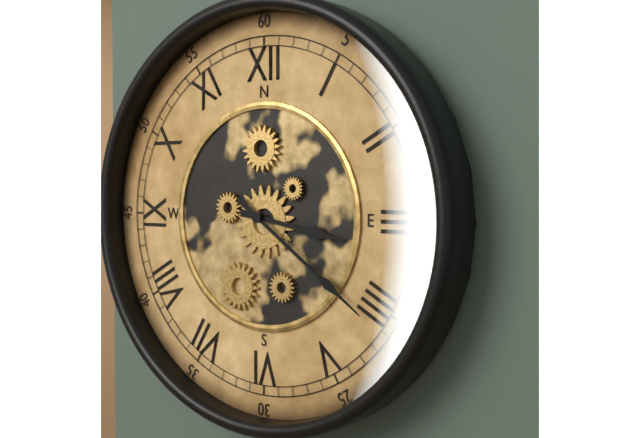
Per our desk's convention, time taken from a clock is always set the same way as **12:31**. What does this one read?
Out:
**3:21**
